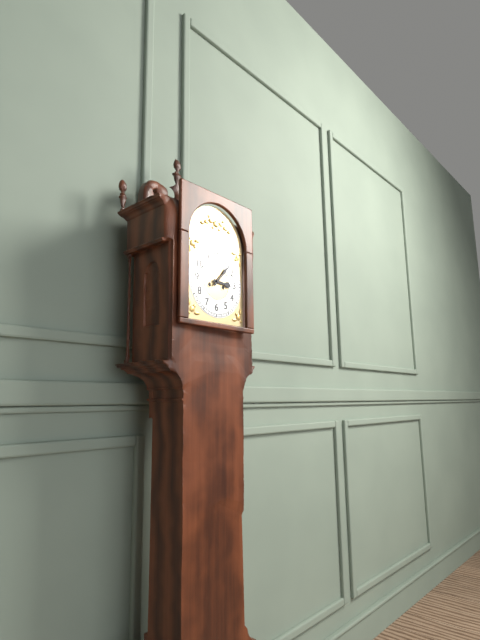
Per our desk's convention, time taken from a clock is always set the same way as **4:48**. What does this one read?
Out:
**3:07**
